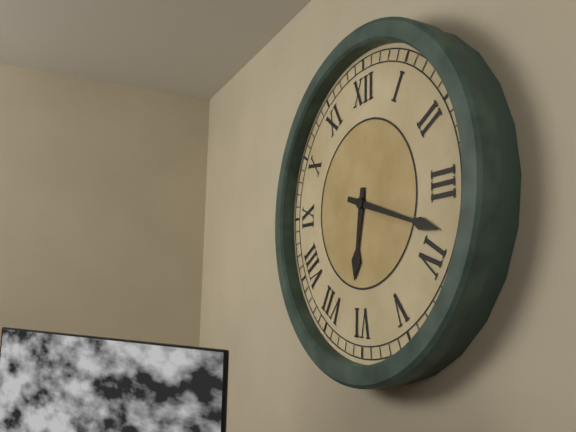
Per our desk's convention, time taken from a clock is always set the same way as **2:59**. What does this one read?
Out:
**6:18**
